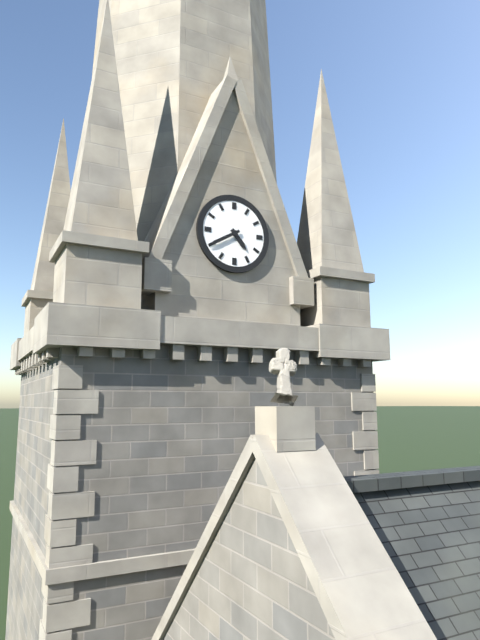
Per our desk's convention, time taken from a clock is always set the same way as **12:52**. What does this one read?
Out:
**4:40**
